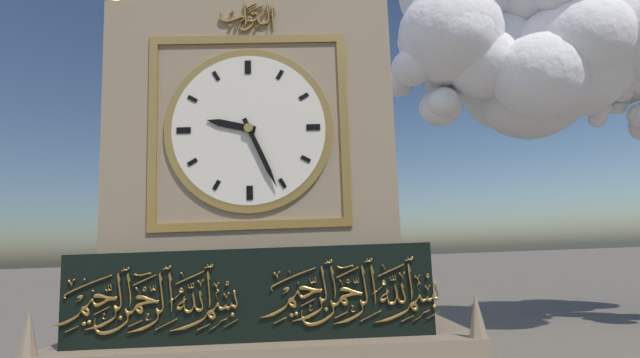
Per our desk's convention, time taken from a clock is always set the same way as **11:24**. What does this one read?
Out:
**9:26**
